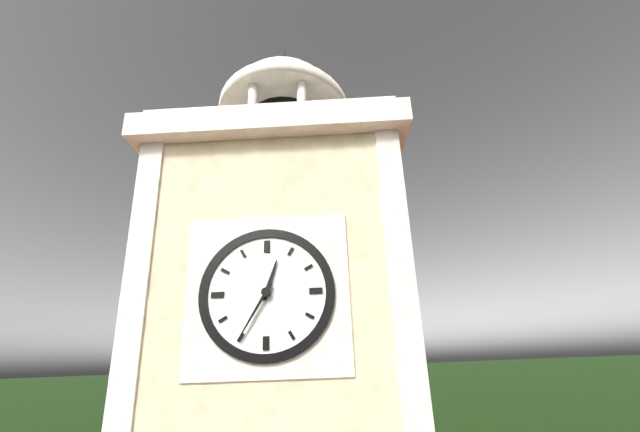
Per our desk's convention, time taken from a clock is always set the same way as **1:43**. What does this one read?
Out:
**12:35**
